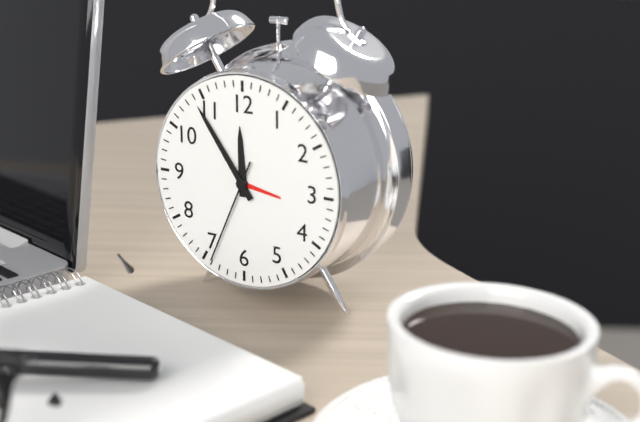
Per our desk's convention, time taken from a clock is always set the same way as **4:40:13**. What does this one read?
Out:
**11:54:34**
